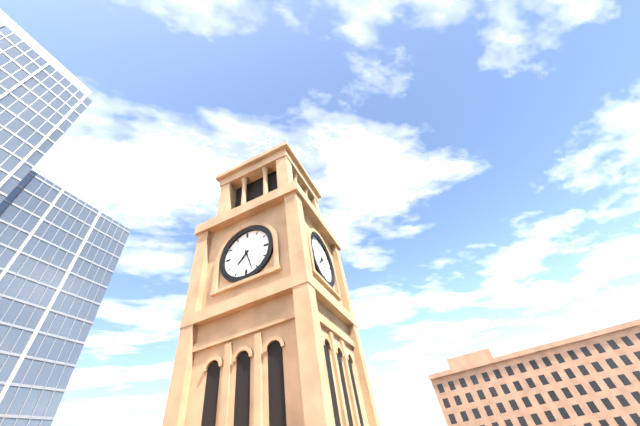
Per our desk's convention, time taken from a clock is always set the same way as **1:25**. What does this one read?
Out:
**7:27**
